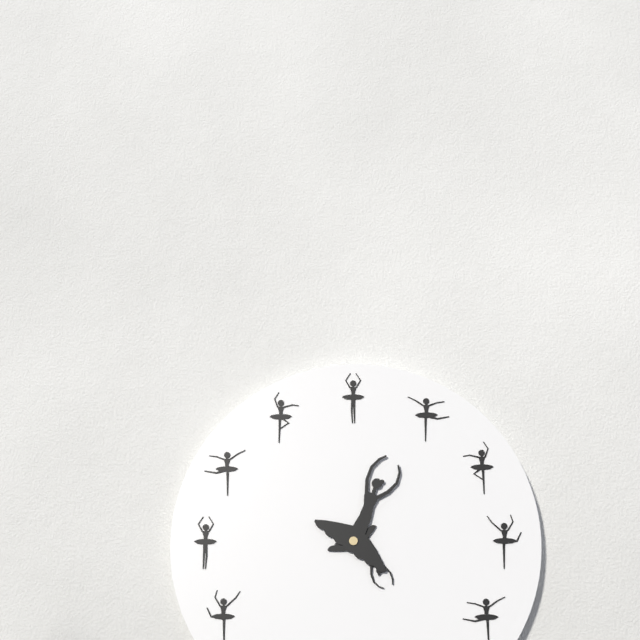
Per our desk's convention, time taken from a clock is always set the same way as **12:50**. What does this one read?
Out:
**5:06**
